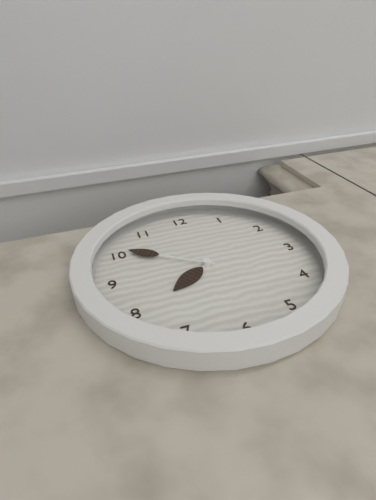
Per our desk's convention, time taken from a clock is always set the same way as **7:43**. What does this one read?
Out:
**7:51**
